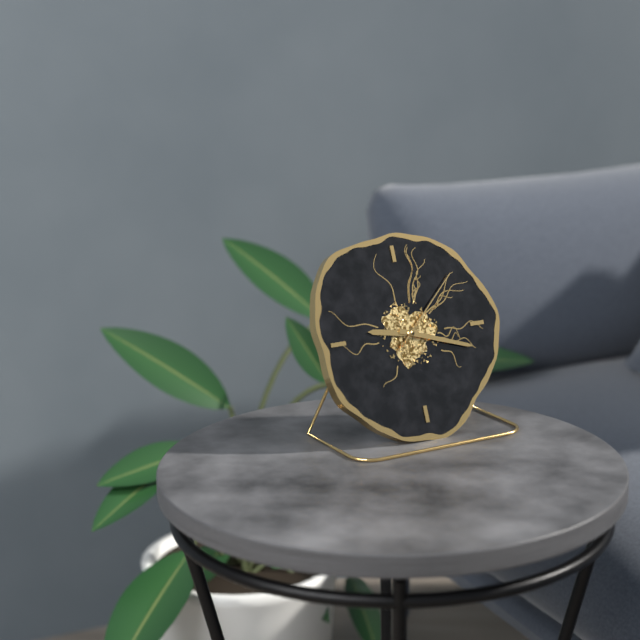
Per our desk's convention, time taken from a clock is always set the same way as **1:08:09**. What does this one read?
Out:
**9:18:08**
